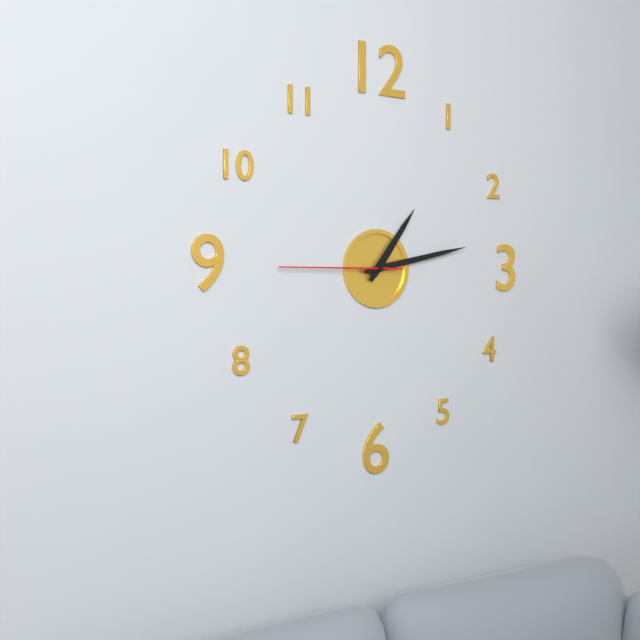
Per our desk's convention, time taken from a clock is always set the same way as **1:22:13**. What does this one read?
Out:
**1:13:45**
